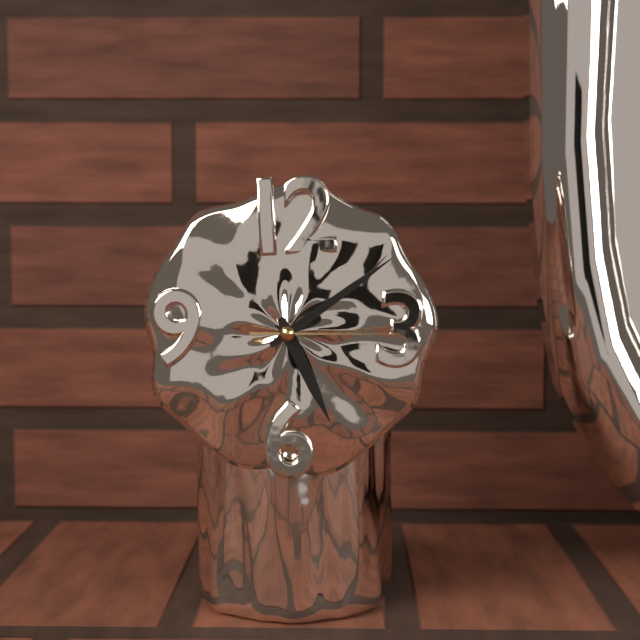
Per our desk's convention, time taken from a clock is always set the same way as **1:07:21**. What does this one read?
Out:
**5:09:15**
